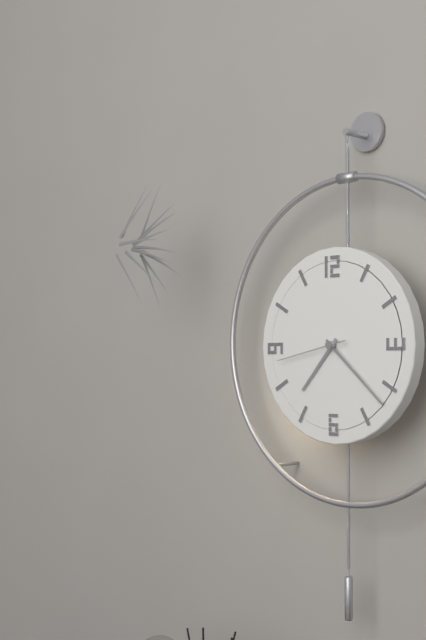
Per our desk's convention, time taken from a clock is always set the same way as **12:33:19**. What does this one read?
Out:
**7:22:43**
